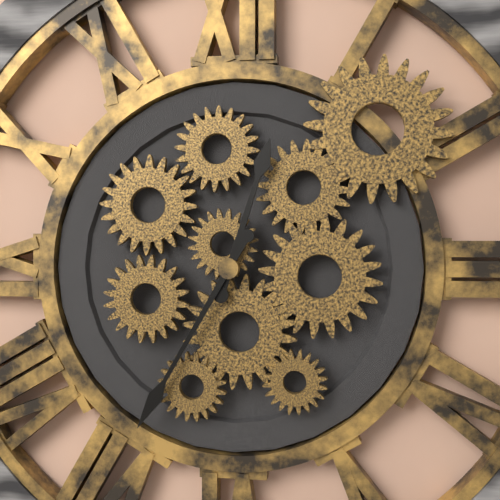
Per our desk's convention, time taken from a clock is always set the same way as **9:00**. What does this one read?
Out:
**12:35**
